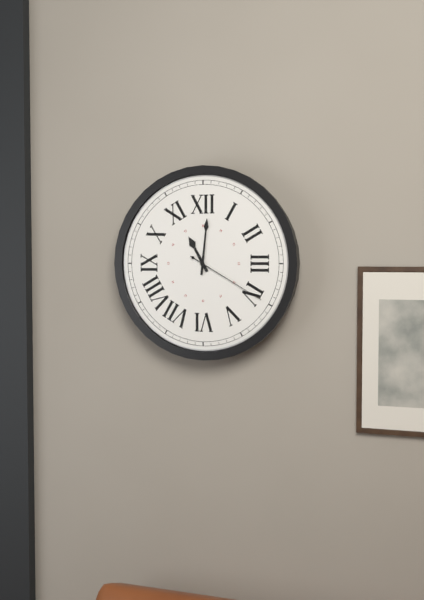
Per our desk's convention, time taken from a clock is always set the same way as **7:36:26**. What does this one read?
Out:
**11:01:20**
